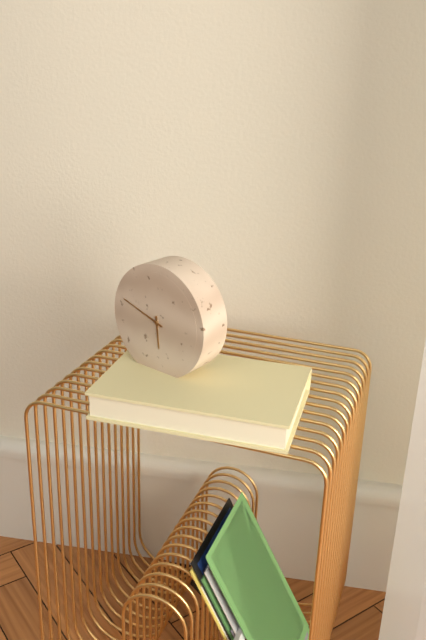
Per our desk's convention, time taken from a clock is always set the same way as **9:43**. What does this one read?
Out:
**5:48**
